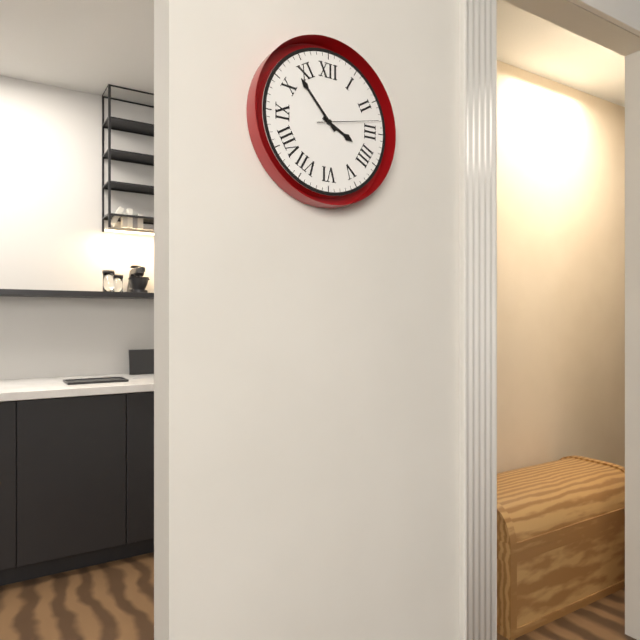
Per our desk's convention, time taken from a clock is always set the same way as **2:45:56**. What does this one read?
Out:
**3:53:13**
